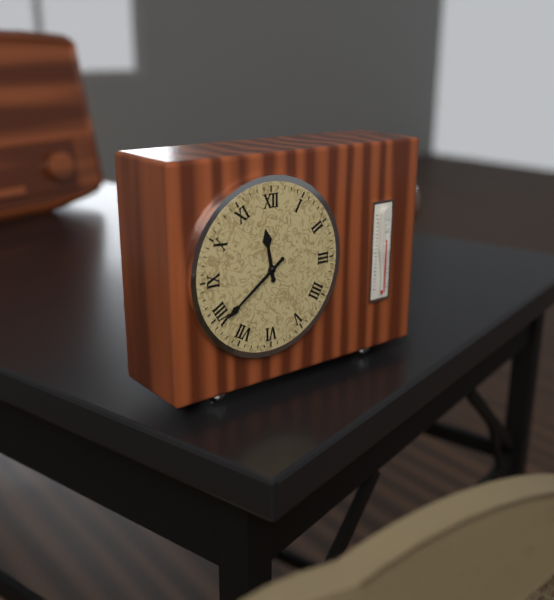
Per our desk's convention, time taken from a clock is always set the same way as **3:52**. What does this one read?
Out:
**11:39**
